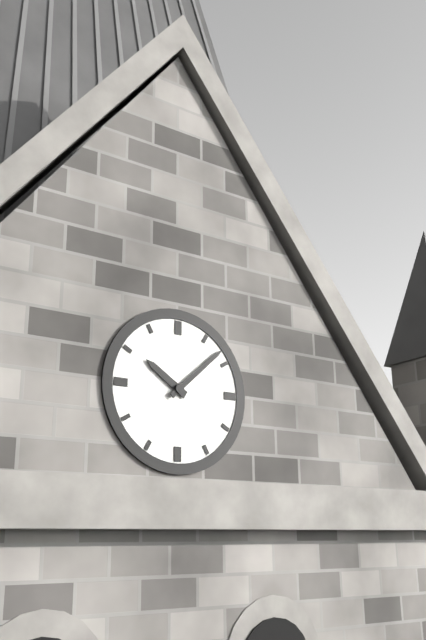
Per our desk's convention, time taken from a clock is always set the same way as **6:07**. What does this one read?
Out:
**10:08**
